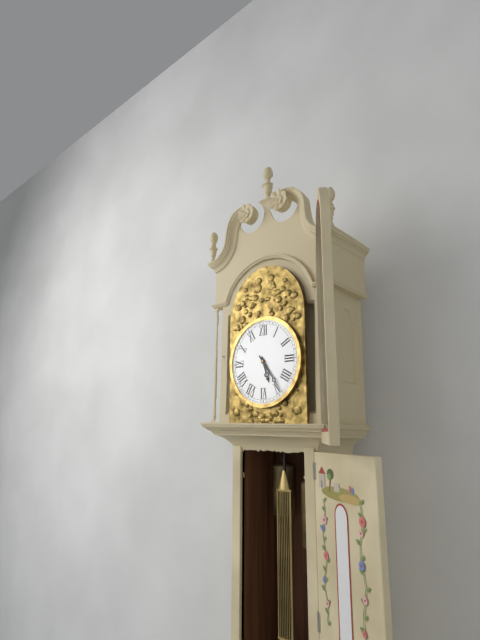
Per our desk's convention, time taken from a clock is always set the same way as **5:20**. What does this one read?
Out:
**5:24**
